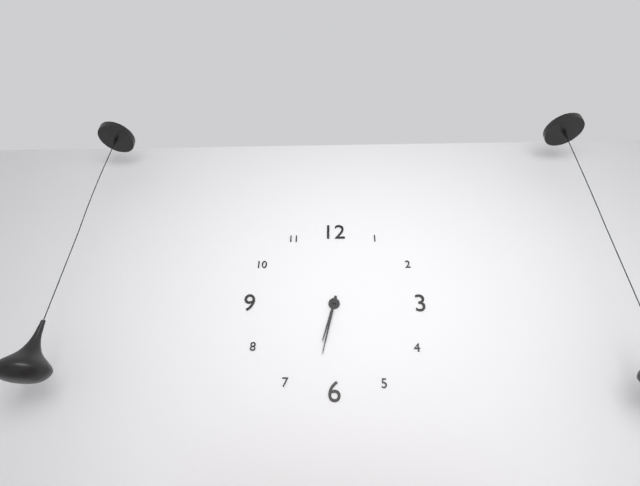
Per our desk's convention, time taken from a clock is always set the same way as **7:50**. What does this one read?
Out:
**6:32**
